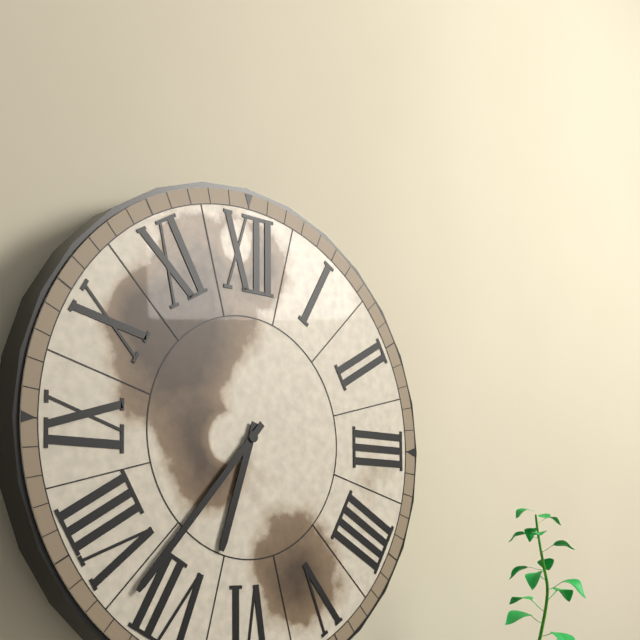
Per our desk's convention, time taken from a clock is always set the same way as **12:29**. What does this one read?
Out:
**6:37**
